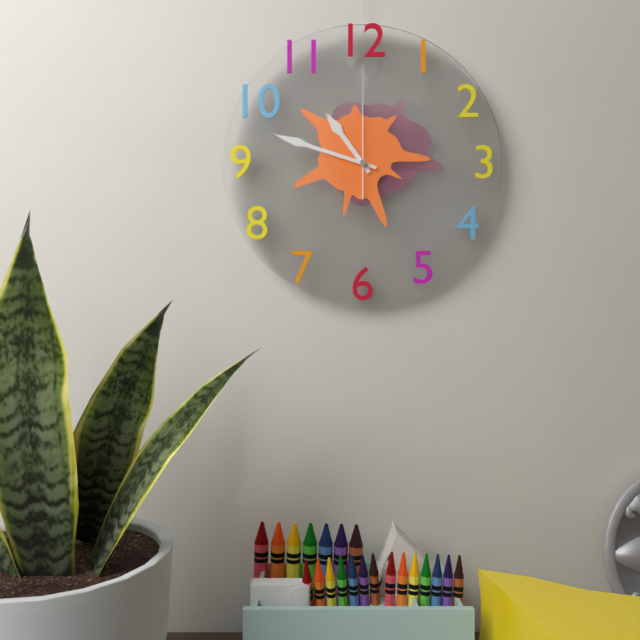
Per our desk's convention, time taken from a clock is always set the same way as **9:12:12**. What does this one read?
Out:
**10:48:00**
